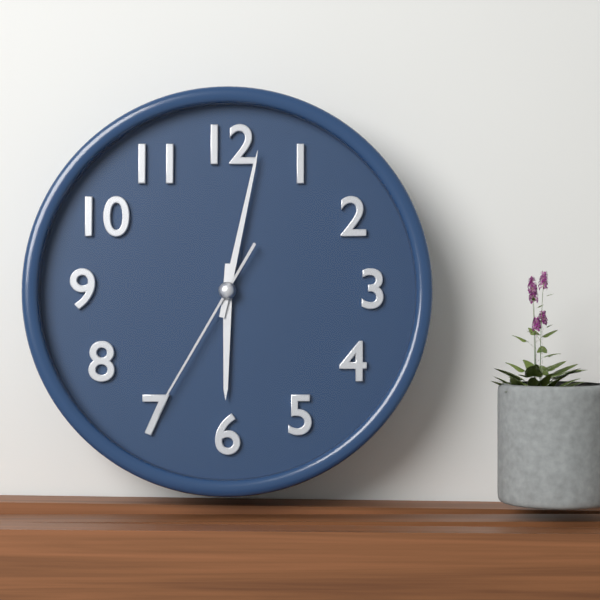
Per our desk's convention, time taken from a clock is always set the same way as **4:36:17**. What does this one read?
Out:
**6:02:35**
